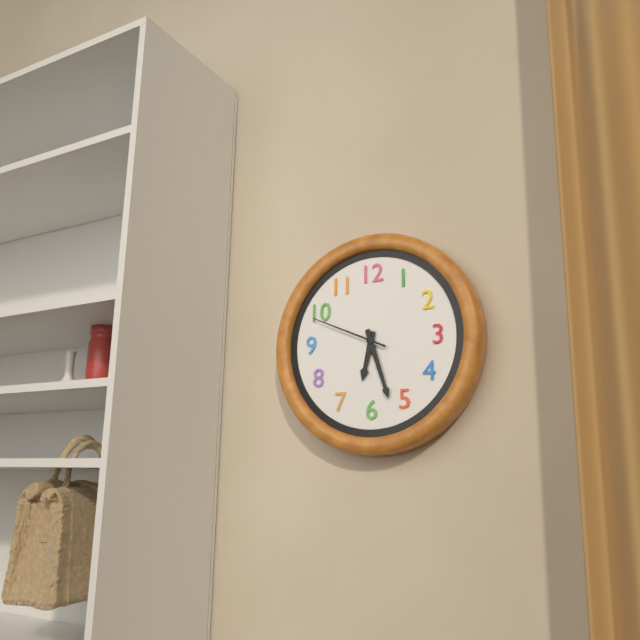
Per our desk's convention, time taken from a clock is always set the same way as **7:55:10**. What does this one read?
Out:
**6:27:49**
